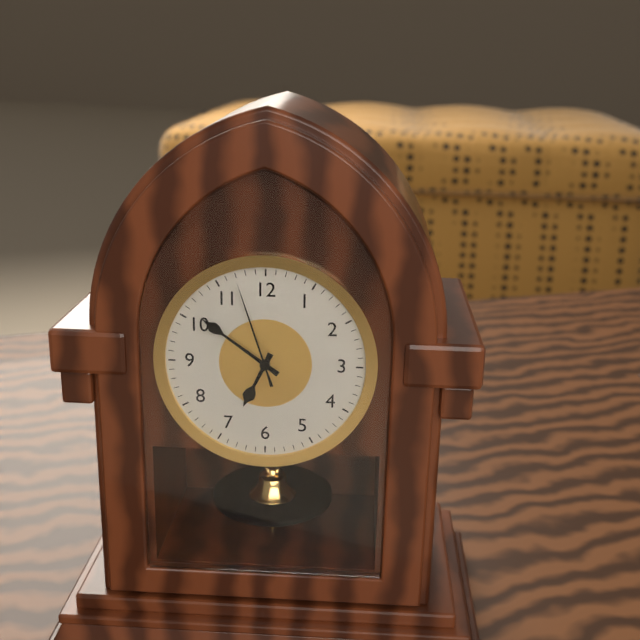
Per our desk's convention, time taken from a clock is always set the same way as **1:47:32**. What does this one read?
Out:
**6:51:57**
